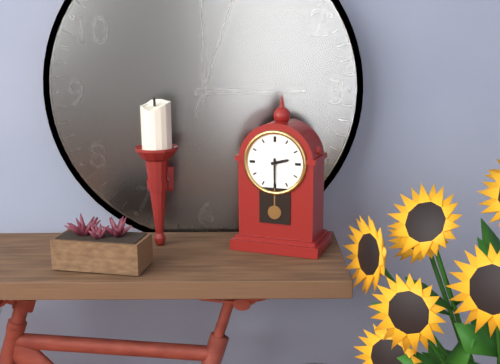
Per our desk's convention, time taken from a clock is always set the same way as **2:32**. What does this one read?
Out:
**2:30**
